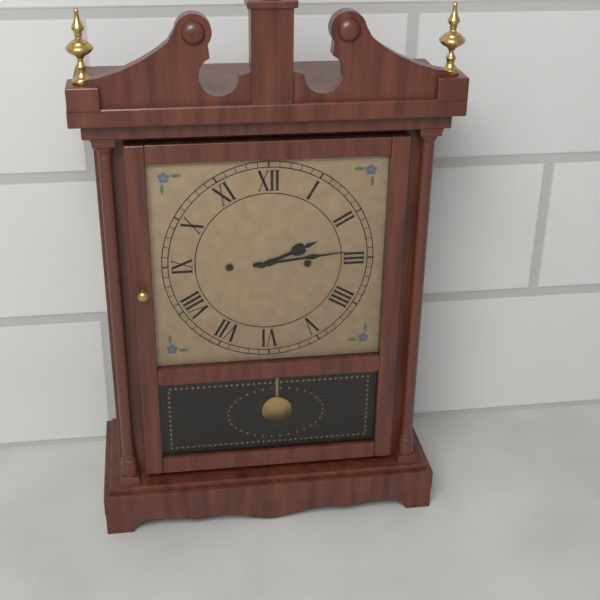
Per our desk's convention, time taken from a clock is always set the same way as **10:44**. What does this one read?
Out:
**2:14**
